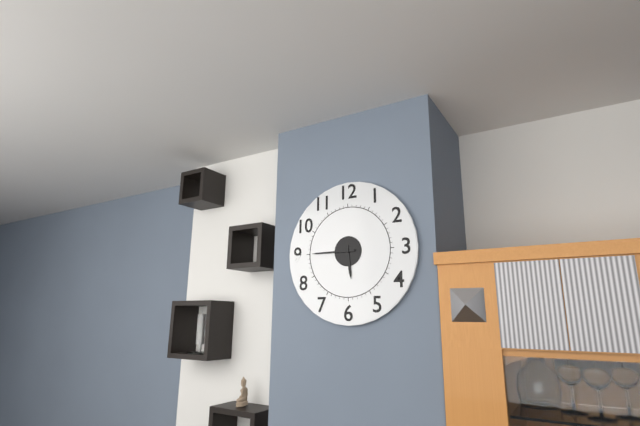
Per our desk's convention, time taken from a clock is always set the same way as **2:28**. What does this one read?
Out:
**5:45**
